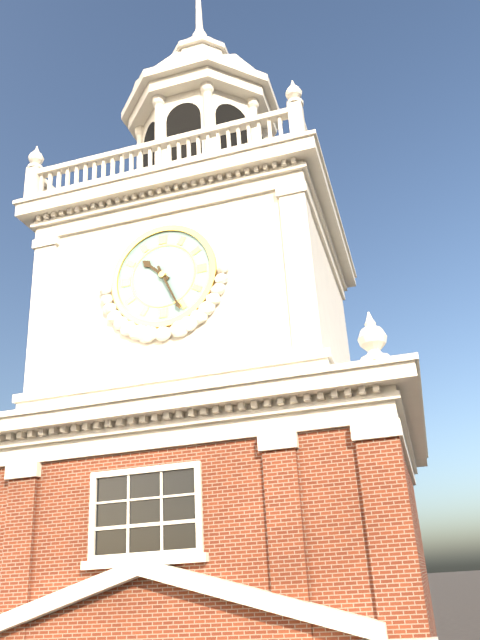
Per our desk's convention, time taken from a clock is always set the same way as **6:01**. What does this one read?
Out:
**10:26**
